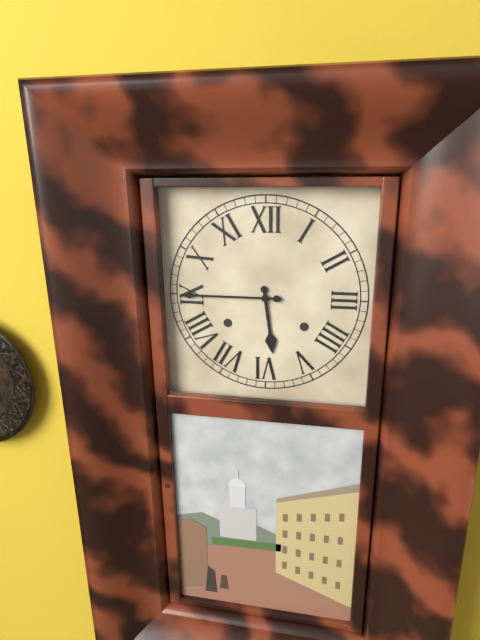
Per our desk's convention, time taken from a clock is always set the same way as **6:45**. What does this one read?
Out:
**5:45**
